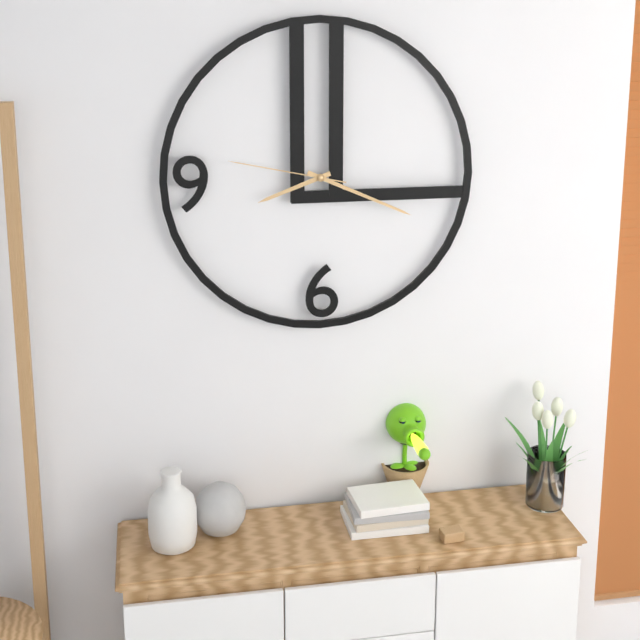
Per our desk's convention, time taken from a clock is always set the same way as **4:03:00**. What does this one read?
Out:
**8:19:47**
